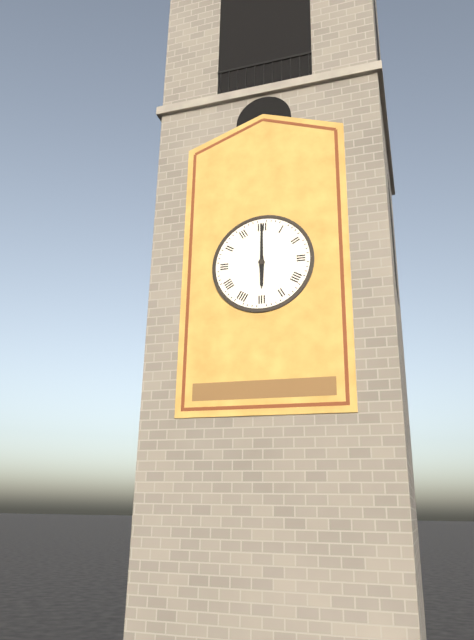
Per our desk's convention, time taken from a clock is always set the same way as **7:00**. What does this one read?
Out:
**6:00**
